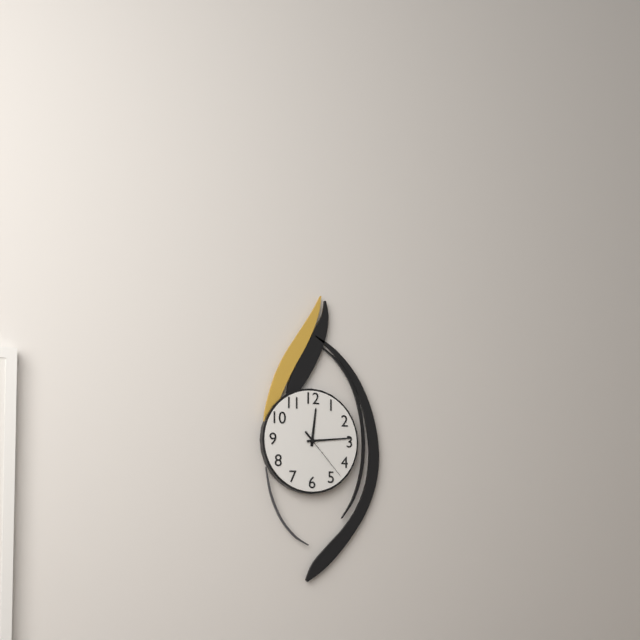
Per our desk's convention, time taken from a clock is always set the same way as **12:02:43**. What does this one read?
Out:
**12:14:23**
